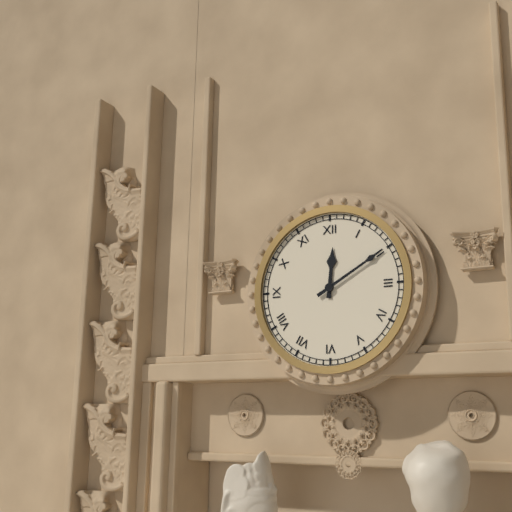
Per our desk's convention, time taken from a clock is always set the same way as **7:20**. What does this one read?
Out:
**12:10**
